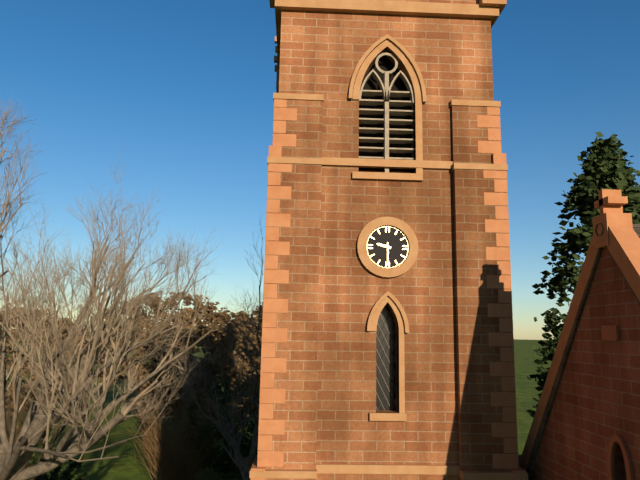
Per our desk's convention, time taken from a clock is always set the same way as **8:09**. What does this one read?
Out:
**9:30**
